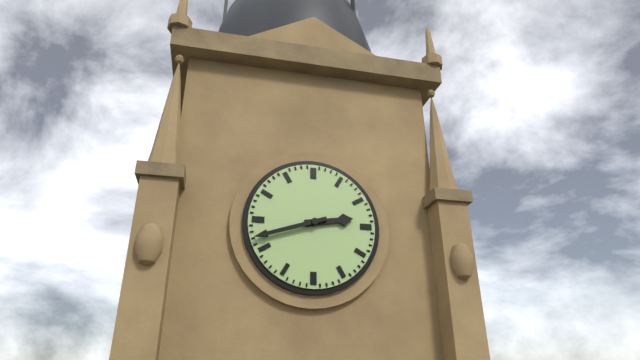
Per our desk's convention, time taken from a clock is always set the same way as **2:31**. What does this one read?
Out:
**2:42**
